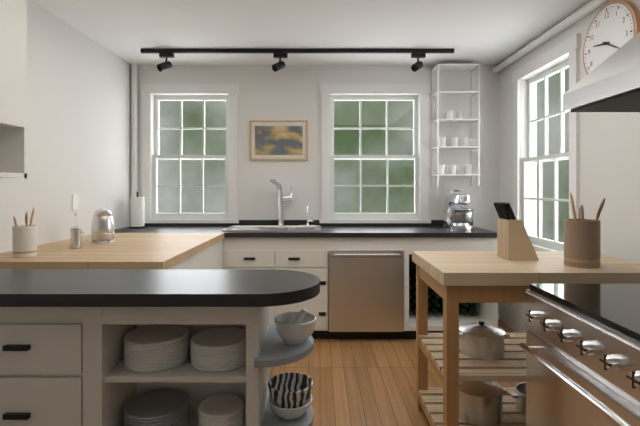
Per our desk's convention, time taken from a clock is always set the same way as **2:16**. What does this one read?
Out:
**9:20**
